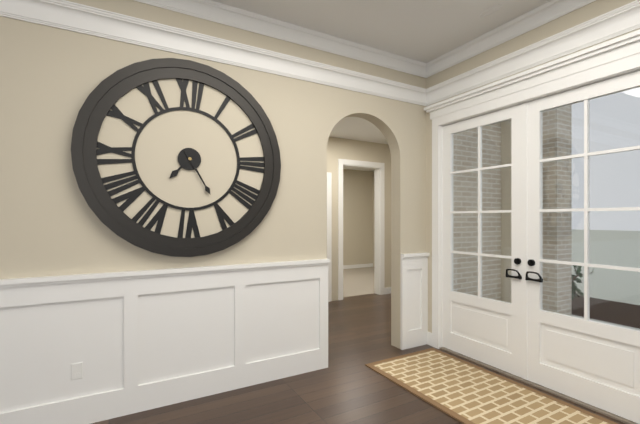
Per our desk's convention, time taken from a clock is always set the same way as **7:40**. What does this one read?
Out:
**7:25**
